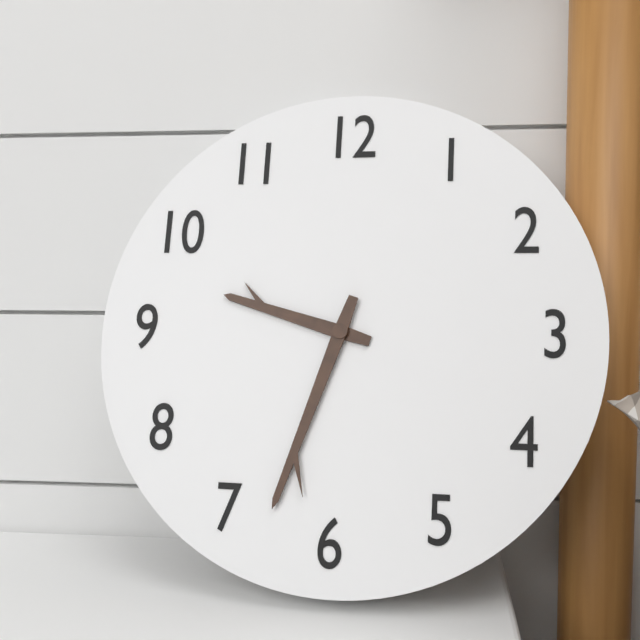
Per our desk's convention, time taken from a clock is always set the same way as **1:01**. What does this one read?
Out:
**9:33**
